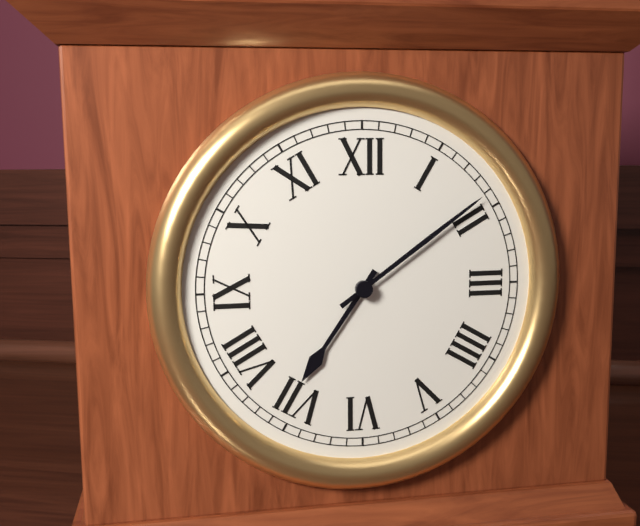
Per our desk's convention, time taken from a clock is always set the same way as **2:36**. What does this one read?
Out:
**7:09**
